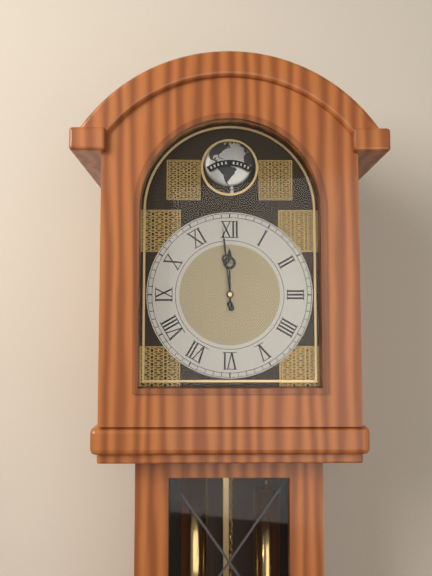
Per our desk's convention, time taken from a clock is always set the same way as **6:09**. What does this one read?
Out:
**11:59**
